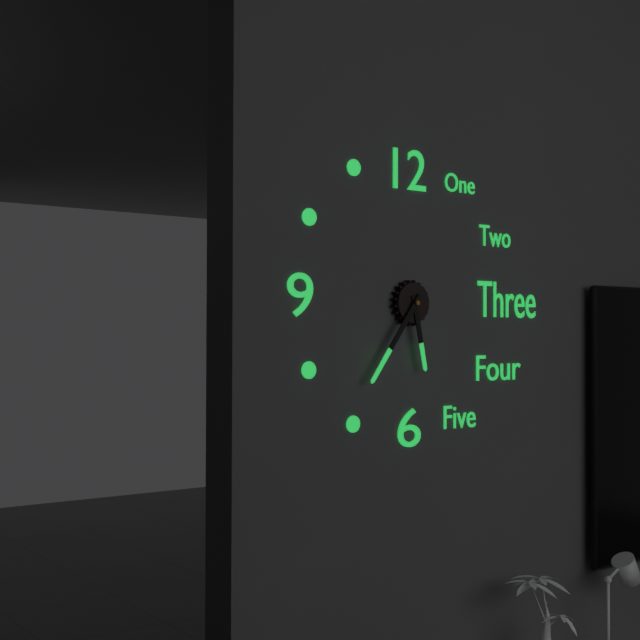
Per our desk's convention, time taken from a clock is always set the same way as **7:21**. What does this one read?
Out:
**5:36**
